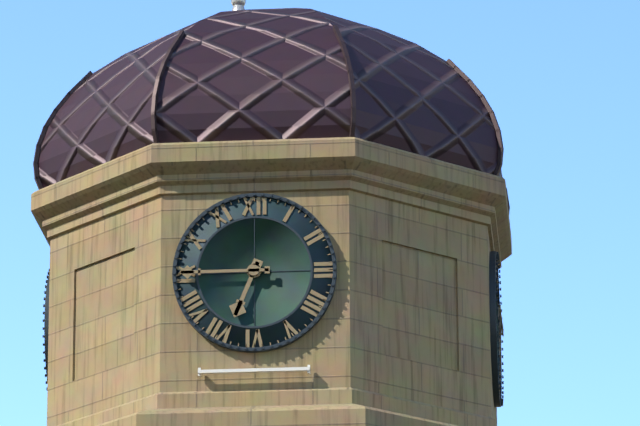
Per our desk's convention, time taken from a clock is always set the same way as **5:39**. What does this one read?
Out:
**6:45**
